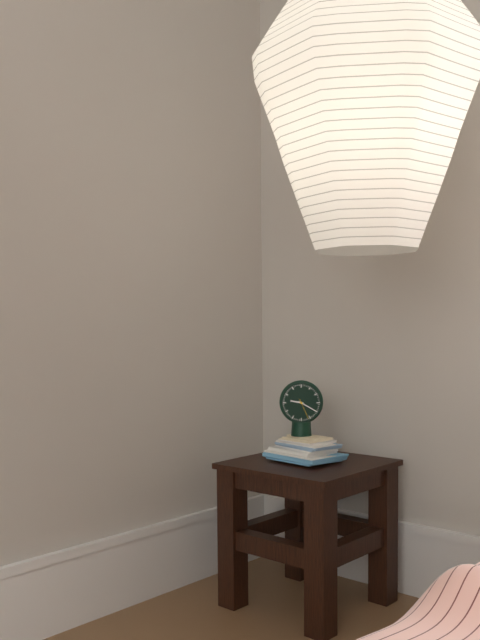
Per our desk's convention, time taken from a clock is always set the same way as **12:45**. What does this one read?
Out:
**9:20**
